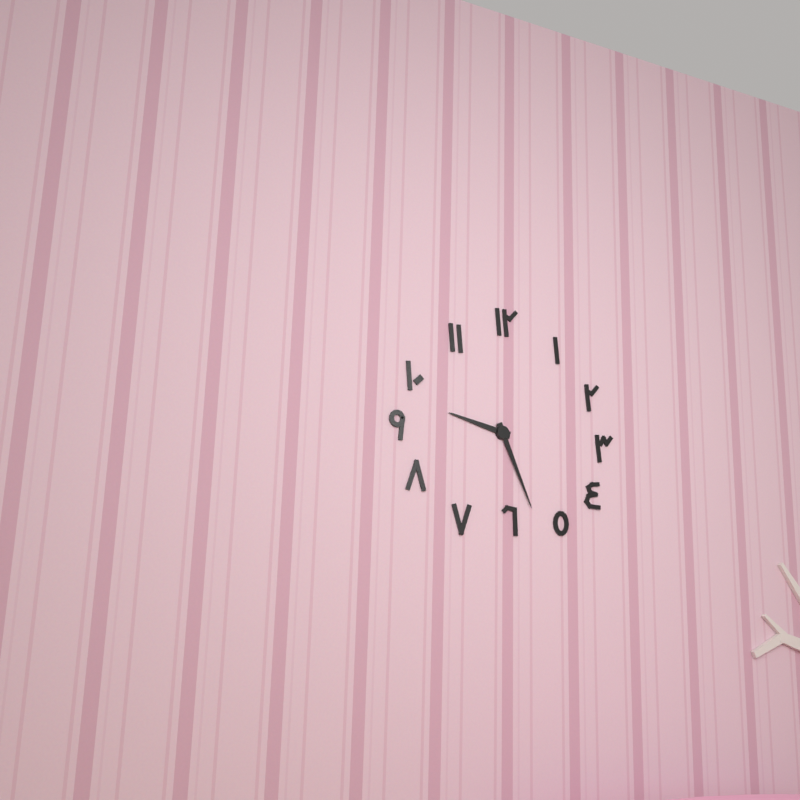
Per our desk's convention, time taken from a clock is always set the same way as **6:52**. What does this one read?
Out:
**9:26**
